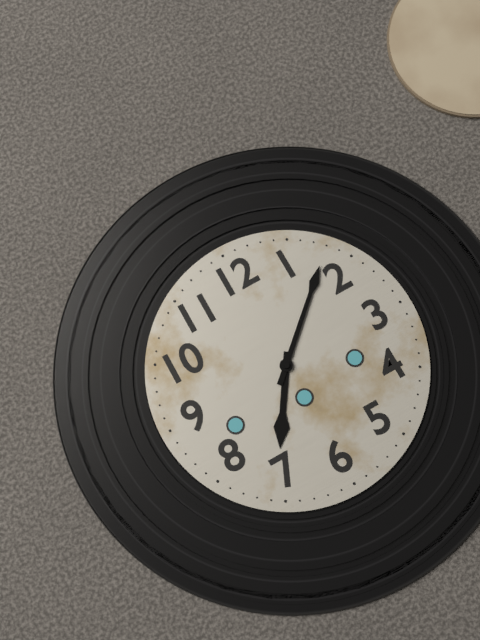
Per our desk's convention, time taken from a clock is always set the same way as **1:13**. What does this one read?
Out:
**7:08**
